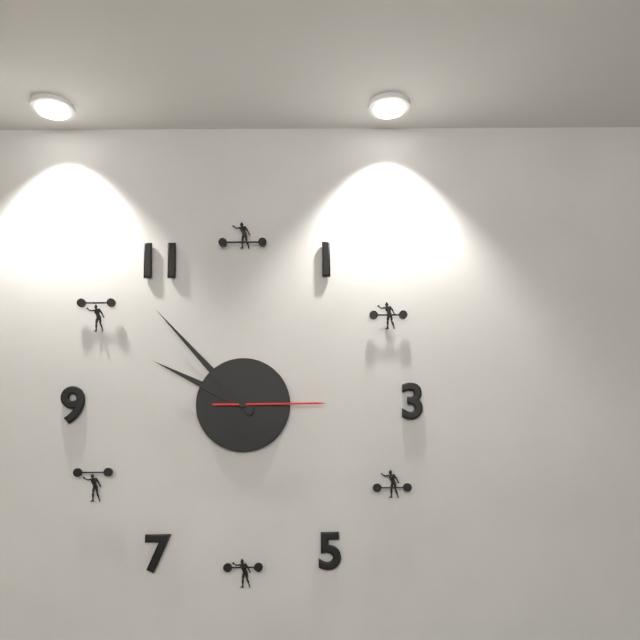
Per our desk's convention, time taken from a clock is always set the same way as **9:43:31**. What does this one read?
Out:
**9:53:15**
